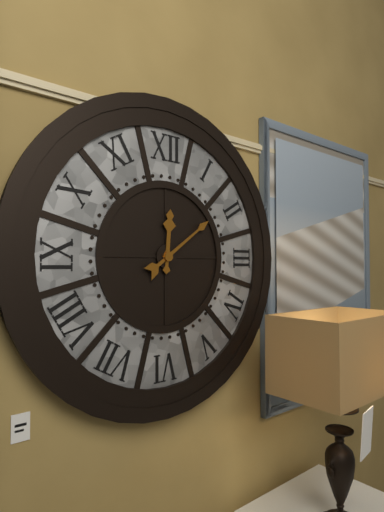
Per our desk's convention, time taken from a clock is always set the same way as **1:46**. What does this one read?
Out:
**12:09**
